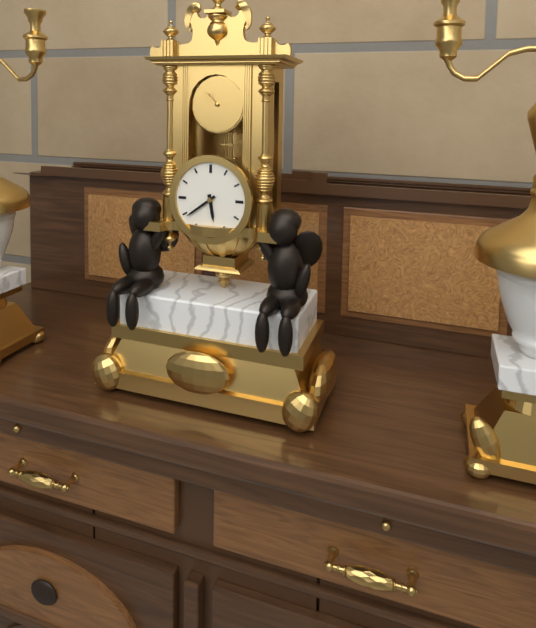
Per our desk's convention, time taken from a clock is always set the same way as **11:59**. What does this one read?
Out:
**5:39**
